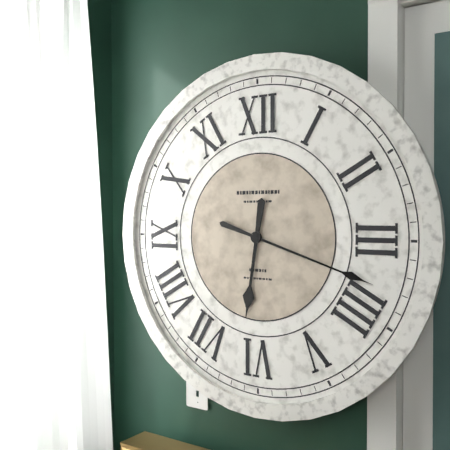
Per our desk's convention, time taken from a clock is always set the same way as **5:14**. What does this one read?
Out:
**6:18**
